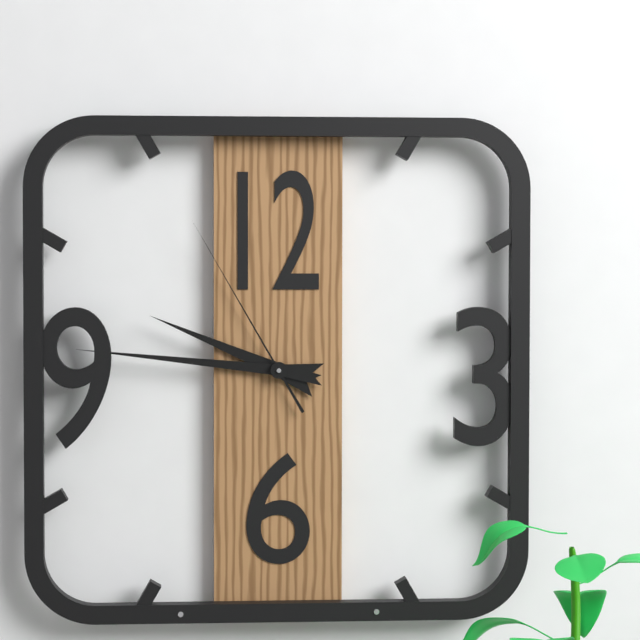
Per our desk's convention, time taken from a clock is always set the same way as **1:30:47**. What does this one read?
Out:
**9:46:55**
